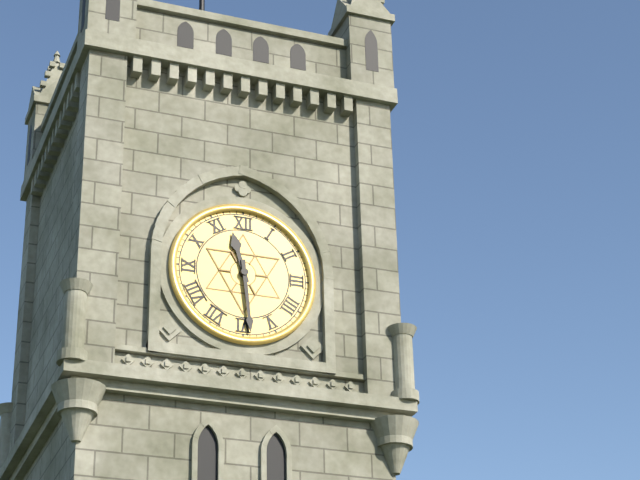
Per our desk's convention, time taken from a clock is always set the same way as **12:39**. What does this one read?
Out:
**11:29**
